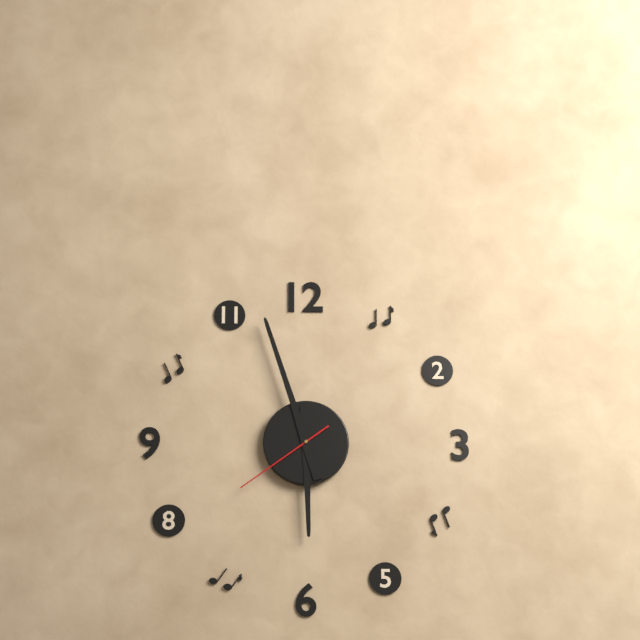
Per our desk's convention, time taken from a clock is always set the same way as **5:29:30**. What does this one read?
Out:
**5:57:39**
